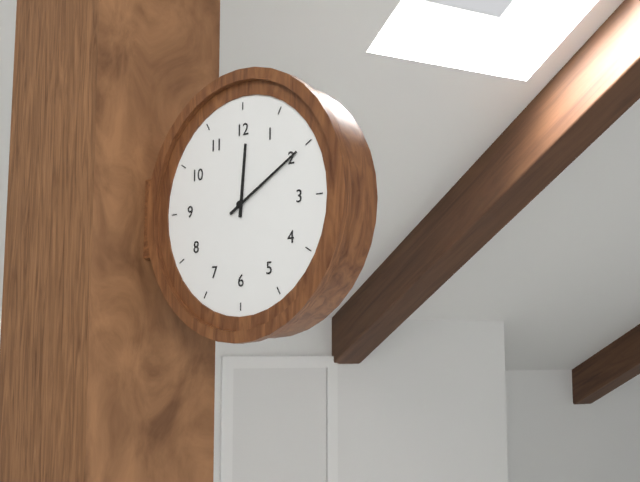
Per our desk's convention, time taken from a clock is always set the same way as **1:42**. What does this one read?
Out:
**12:10**
